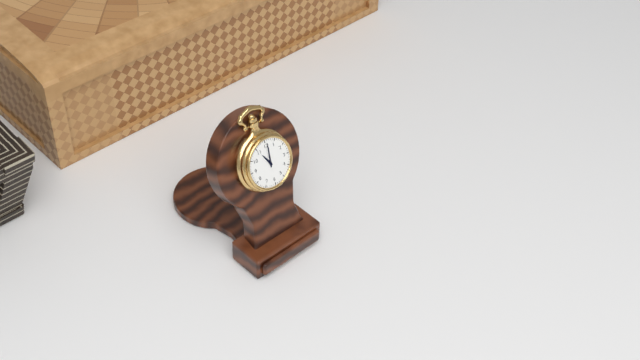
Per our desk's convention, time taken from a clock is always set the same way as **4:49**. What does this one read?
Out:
**11:01**
